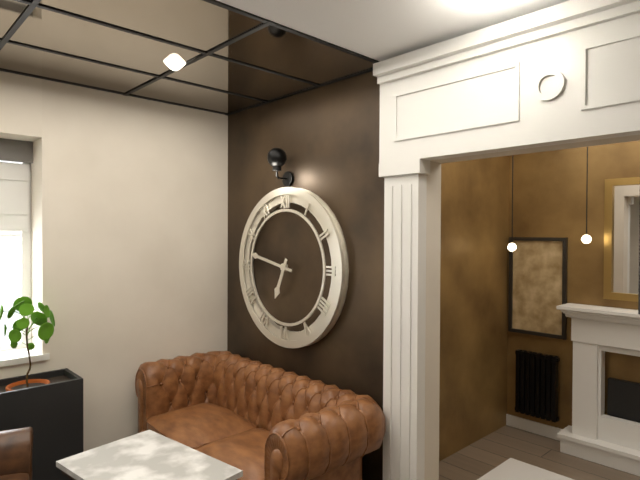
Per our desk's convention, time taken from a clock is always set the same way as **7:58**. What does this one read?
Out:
**6:47**
